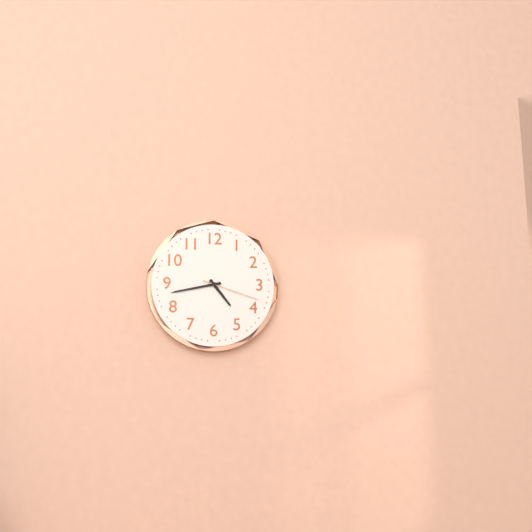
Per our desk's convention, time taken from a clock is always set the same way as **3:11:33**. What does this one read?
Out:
**4:43:18**
